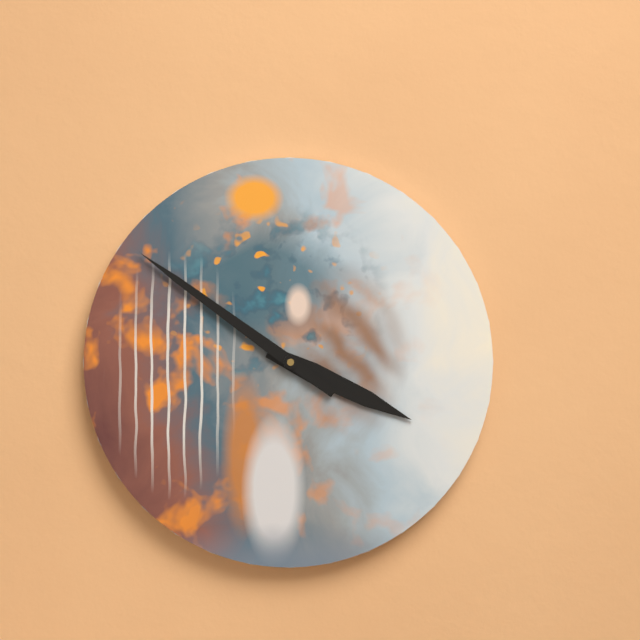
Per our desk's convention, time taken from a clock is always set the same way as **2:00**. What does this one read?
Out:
**3:51**
